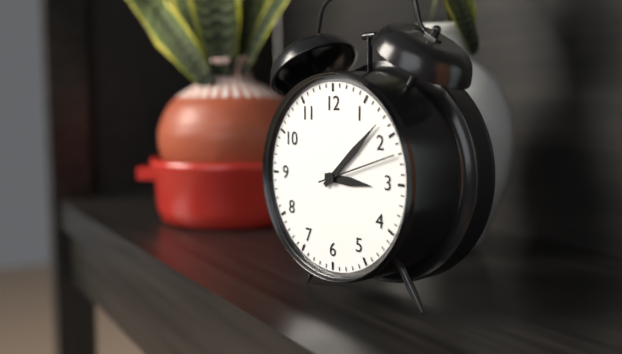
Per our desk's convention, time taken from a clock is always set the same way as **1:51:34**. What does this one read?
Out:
**3:08:12**
